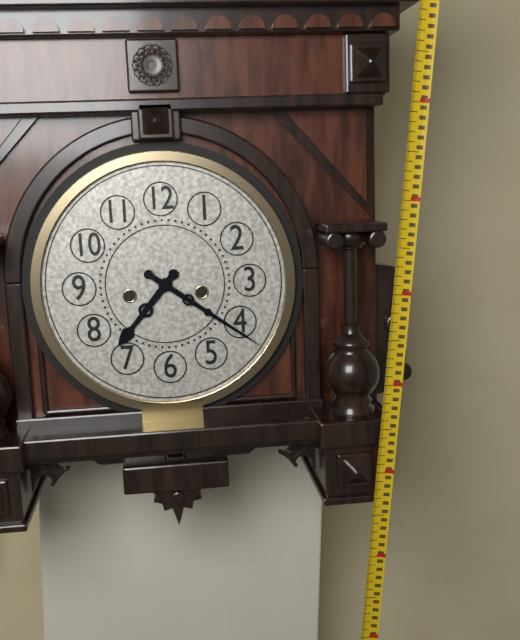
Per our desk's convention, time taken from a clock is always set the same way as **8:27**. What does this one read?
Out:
**7:21**
